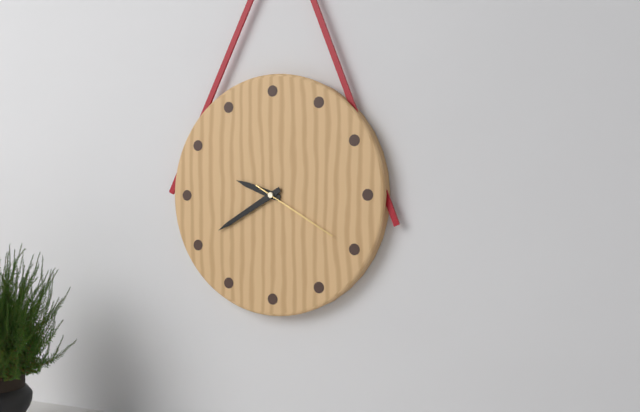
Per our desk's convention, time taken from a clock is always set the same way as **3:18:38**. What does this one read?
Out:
**9:40:20**
